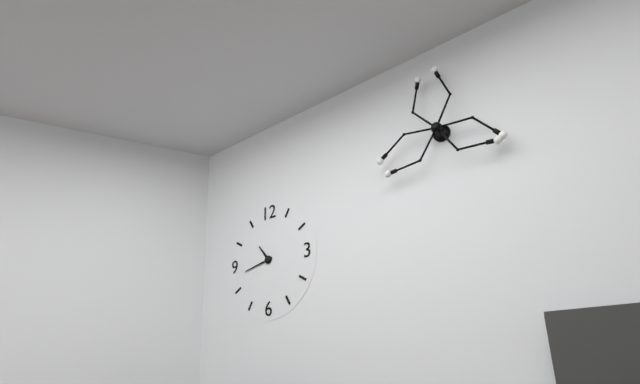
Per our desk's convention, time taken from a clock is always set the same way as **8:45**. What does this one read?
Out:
**10:43**
